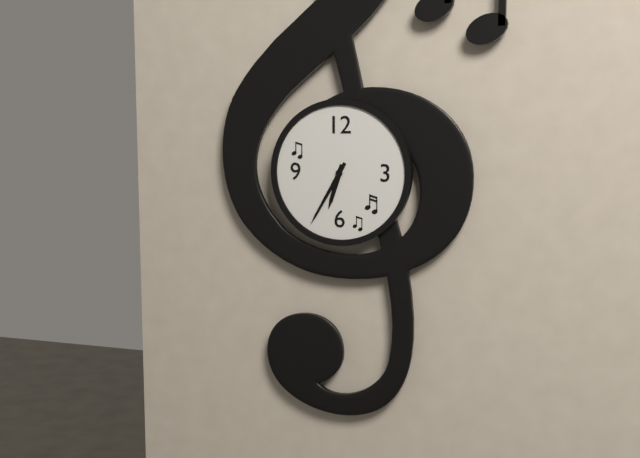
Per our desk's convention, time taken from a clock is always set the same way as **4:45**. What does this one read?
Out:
**6:35**
